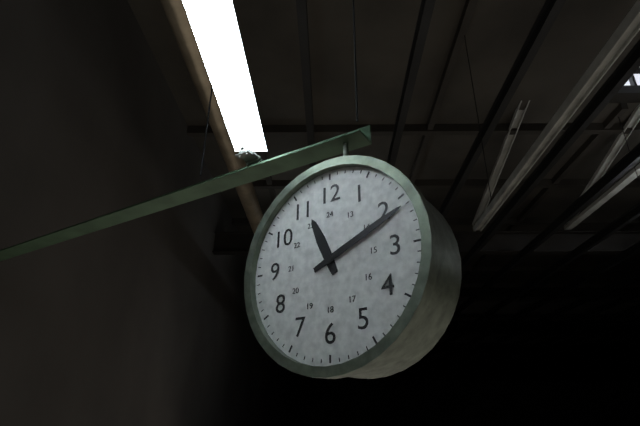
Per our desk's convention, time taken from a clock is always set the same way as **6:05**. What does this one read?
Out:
**11:11**
